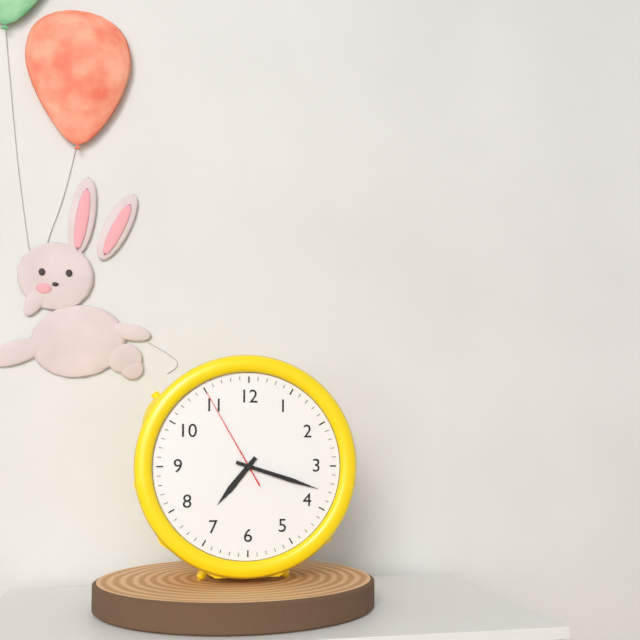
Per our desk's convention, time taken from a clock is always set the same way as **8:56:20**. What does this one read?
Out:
**7:18:55**
